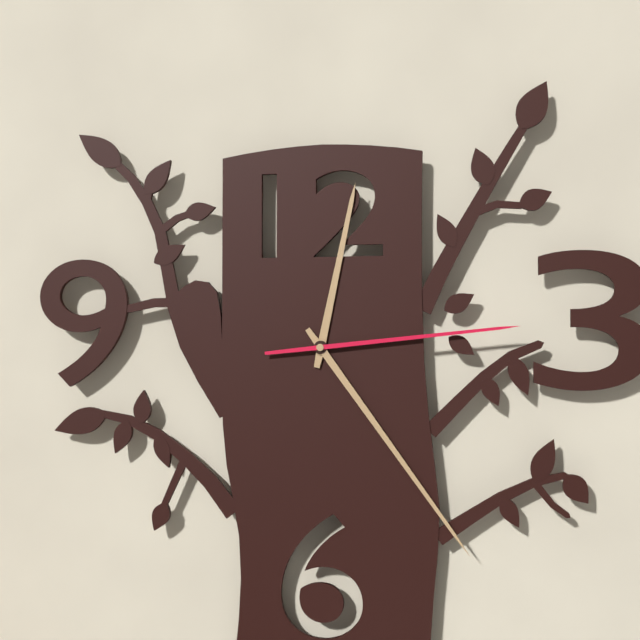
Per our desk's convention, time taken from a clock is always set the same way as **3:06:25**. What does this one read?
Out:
**12:24:14**
